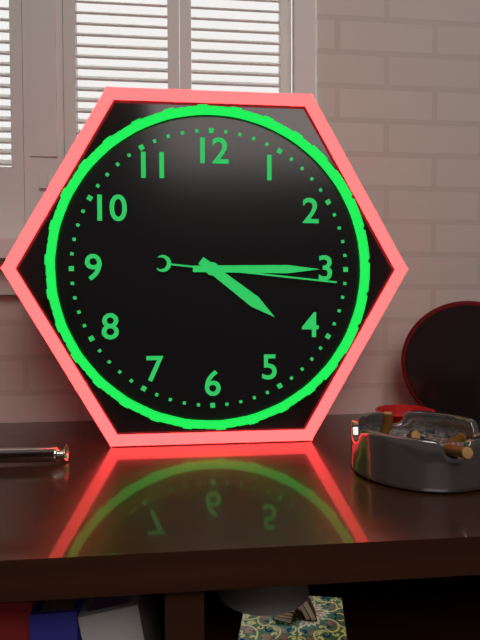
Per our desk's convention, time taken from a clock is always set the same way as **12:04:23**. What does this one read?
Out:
**4:15:16**
